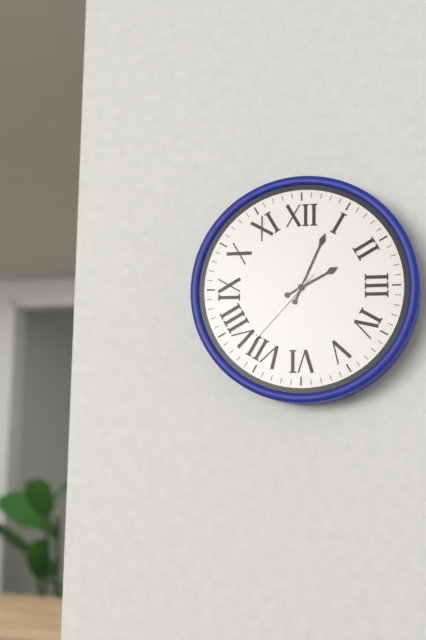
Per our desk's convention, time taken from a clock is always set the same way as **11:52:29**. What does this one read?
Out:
**2:04:37**
